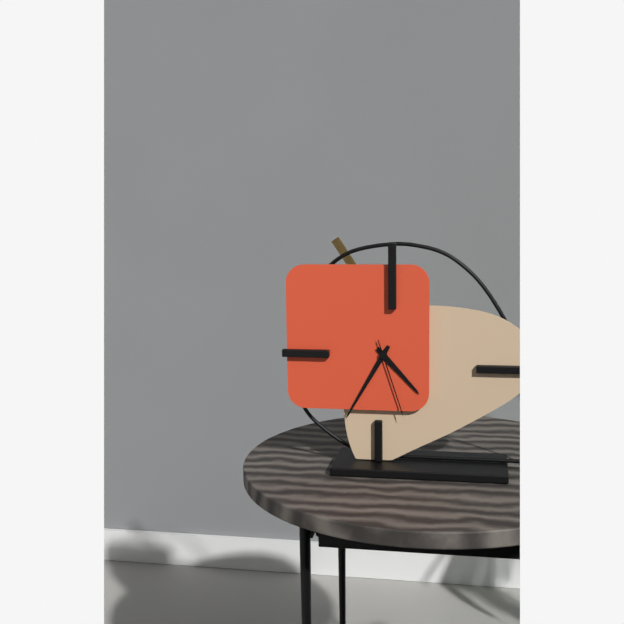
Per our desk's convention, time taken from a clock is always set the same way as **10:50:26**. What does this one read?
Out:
**4:35:27**
